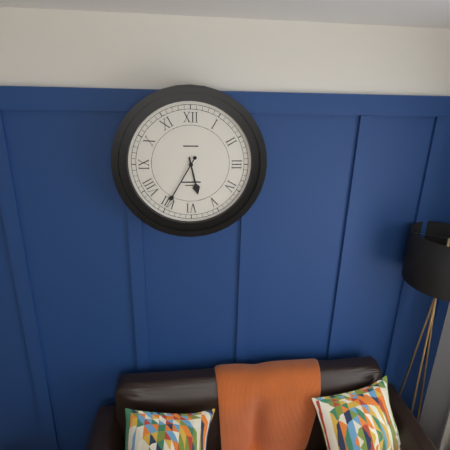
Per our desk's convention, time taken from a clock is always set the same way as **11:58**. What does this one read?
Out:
**5:35**
